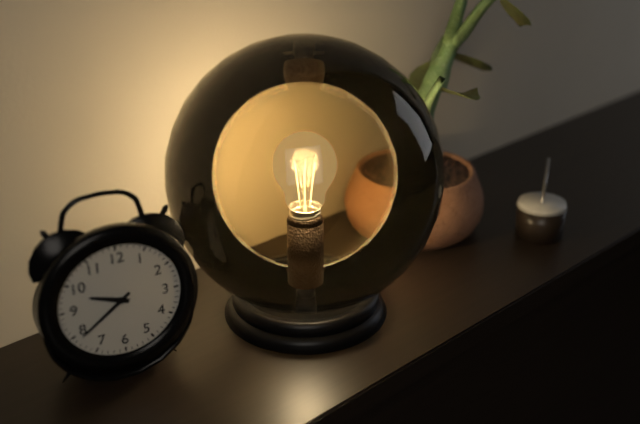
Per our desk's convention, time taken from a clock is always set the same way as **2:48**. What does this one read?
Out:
**9:39**
